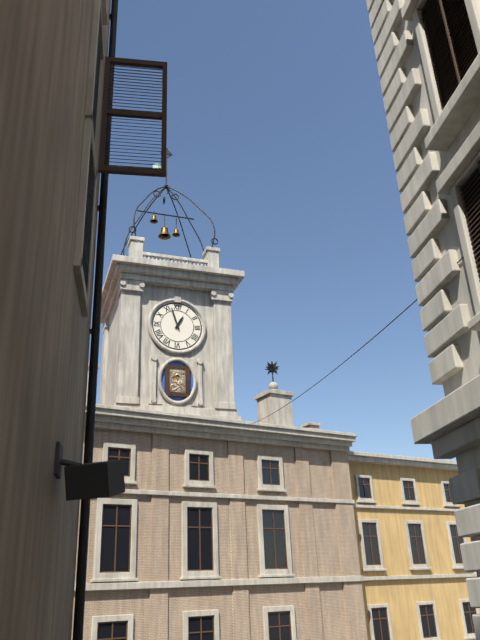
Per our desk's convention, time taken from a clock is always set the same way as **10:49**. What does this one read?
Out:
**12:57**
